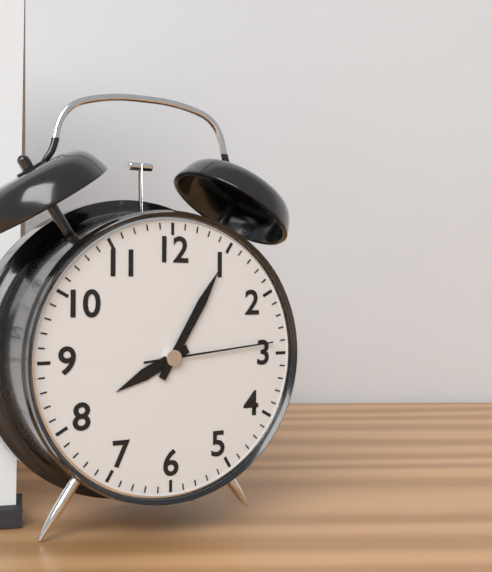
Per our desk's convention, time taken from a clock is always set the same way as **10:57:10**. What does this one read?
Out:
**8:05:14**
